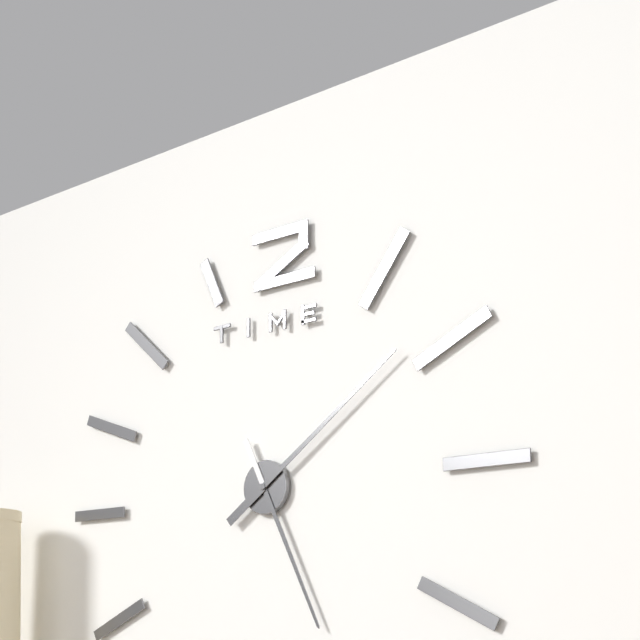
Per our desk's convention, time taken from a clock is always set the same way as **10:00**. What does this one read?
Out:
**5:09**
